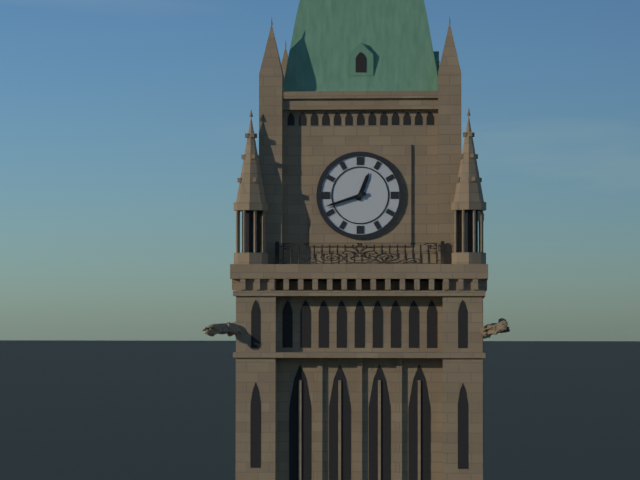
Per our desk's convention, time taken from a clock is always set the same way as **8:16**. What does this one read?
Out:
**12:42**
